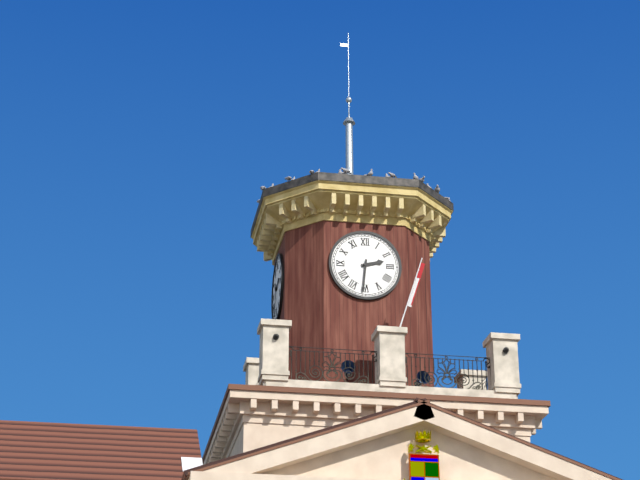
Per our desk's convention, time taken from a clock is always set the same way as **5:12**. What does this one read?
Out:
**2:31**
